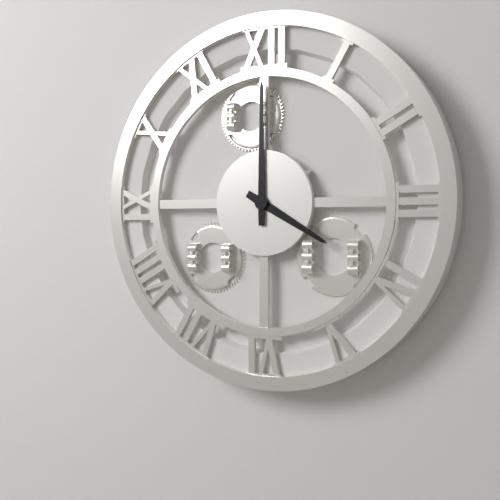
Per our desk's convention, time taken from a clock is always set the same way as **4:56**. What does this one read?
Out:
**4:00**
